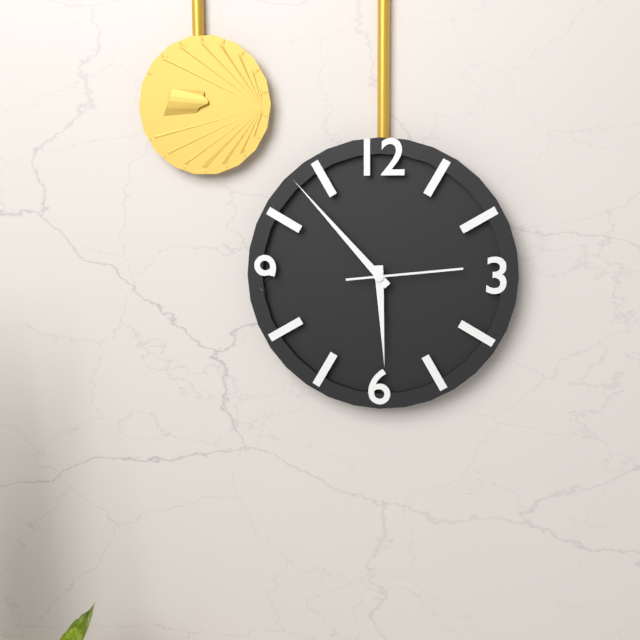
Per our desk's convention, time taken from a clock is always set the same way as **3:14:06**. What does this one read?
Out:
**5:53:14**
